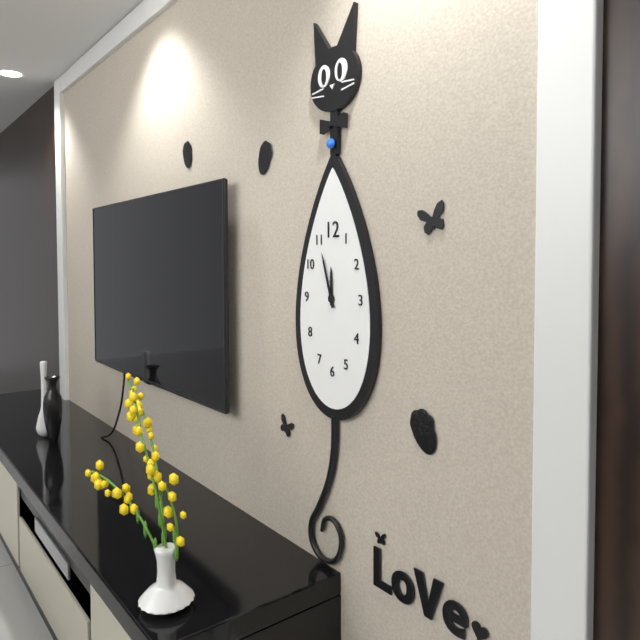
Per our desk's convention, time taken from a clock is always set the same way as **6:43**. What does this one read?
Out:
**11:57**
